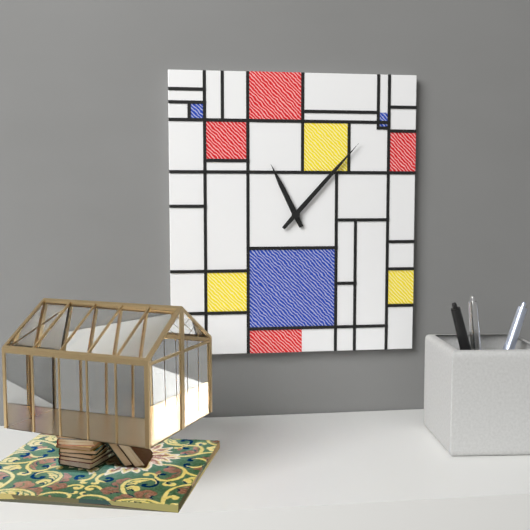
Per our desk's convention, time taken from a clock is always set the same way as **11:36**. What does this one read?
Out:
**11:07**
